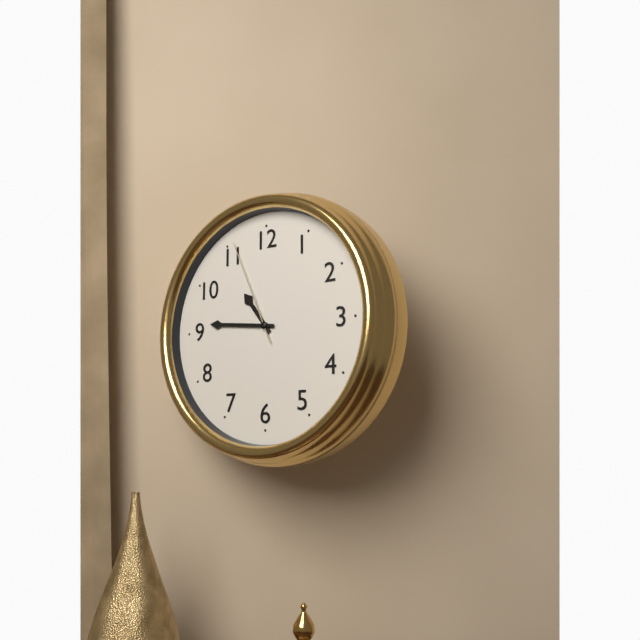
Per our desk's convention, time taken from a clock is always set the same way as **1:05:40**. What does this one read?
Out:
**10:46:56**
